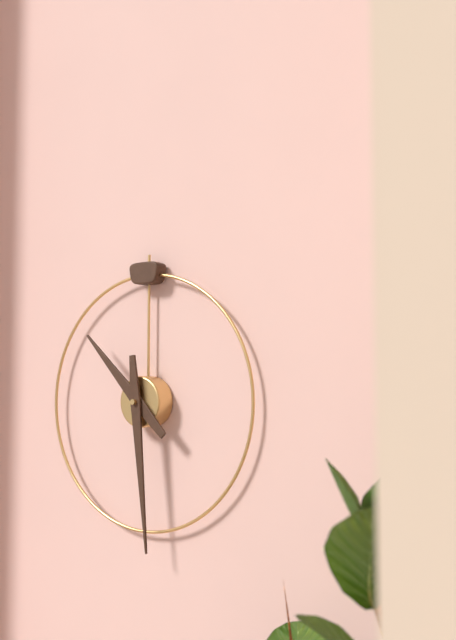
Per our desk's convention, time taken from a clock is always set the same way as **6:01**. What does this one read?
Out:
**10:29**
